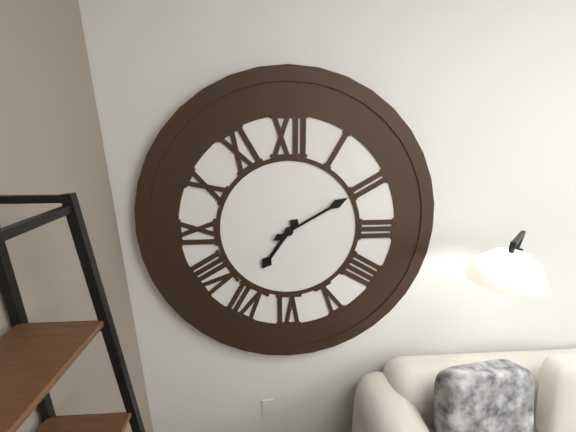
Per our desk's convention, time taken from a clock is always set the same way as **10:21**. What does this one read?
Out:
**7:10**
